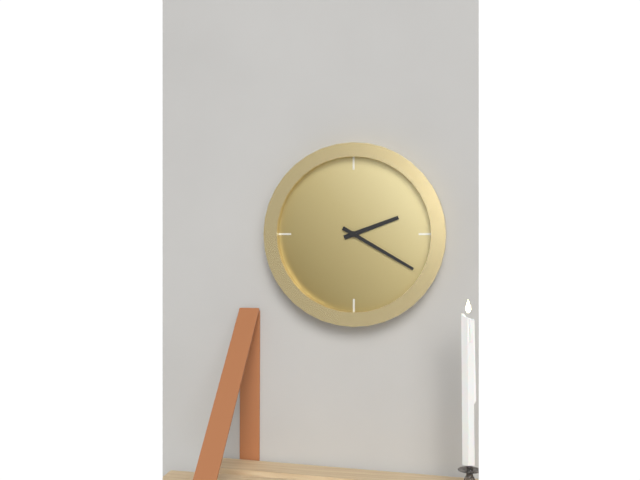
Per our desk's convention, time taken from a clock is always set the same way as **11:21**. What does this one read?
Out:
**2:20**
